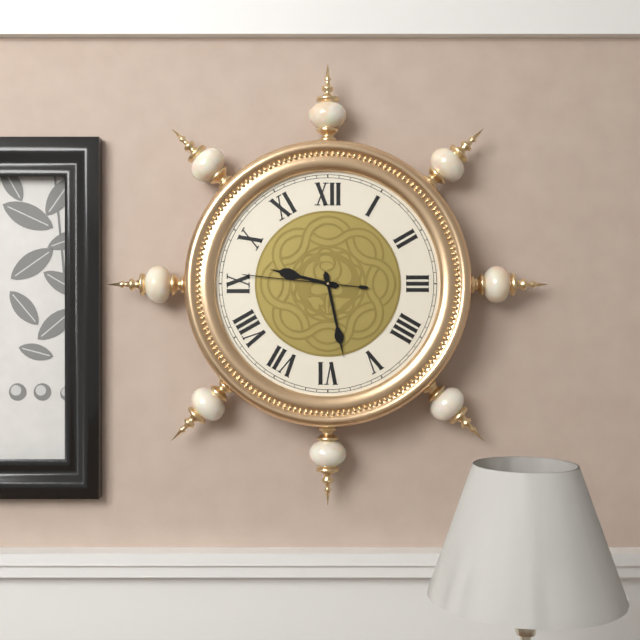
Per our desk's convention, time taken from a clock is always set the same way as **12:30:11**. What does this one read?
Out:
**9:28:46**
